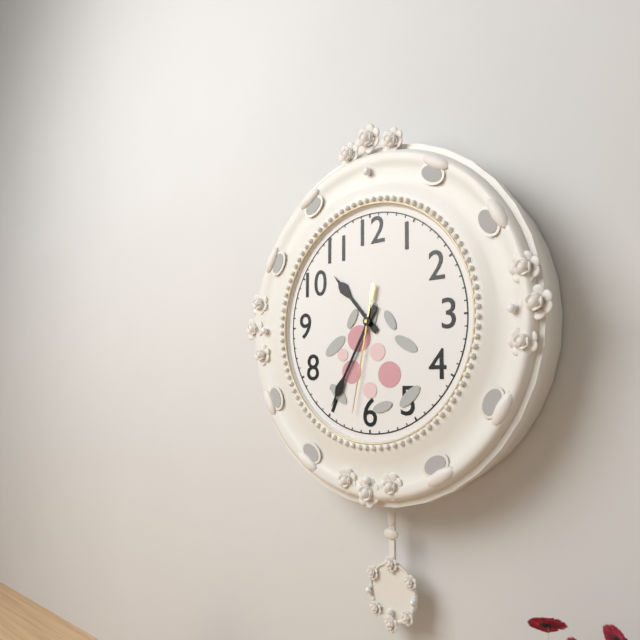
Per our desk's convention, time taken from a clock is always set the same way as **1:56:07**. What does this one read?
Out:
**10:35:32**
